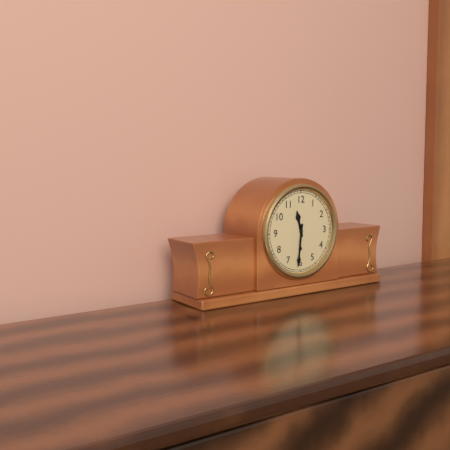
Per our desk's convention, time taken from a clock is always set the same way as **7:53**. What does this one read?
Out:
**11:31**
